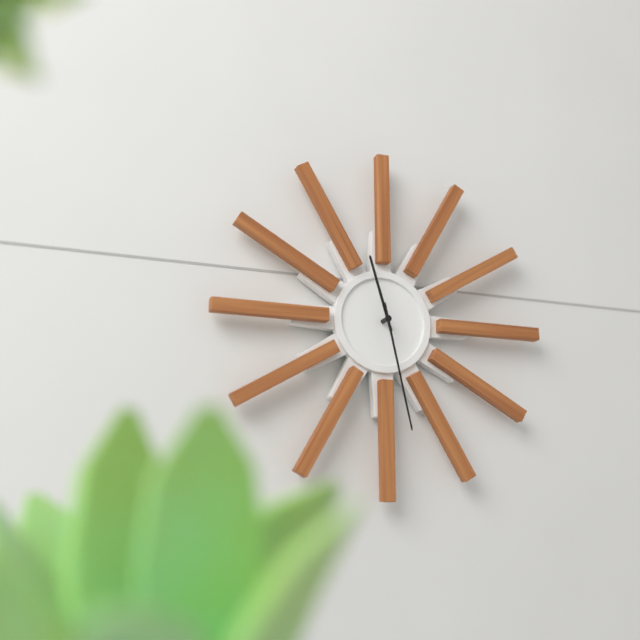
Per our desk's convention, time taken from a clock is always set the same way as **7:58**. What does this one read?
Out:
**11:28**
